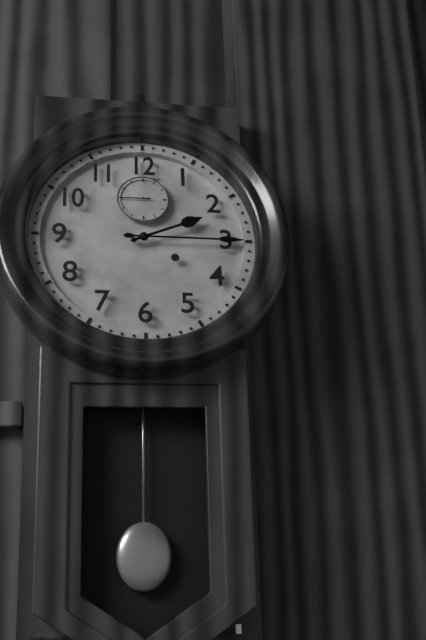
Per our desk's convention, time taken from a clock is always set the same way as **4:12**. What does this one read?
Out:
**2:15**
